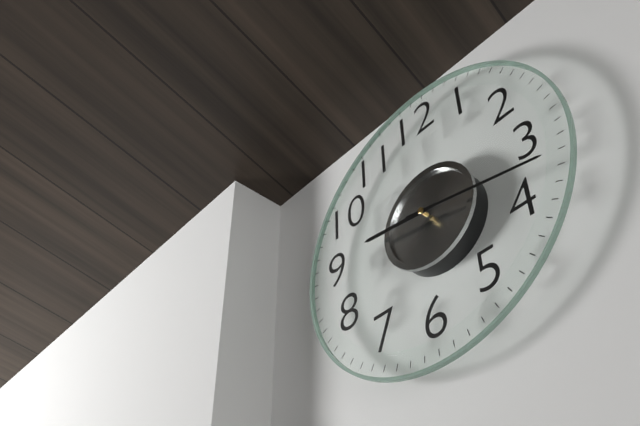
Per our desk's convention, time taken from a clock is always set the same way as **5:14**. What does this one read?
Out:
**9:17**
